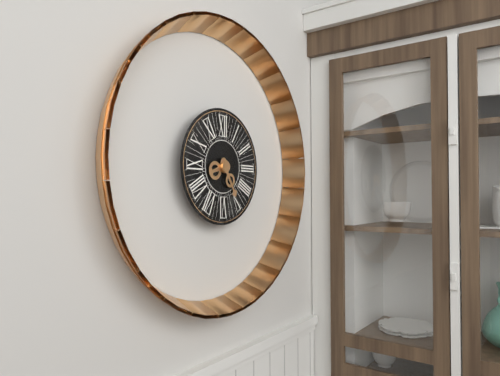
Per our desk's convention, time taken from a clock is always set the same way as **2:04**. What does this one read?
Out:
**8:25**
